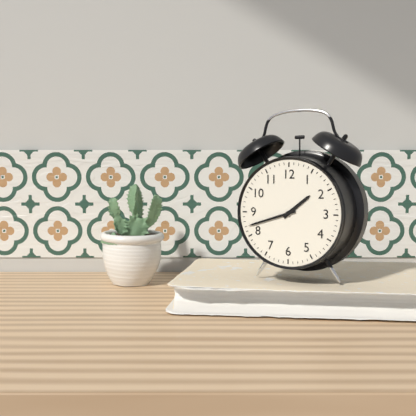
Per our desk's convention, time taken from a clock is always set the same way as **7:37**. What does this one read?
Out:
**1:42**
